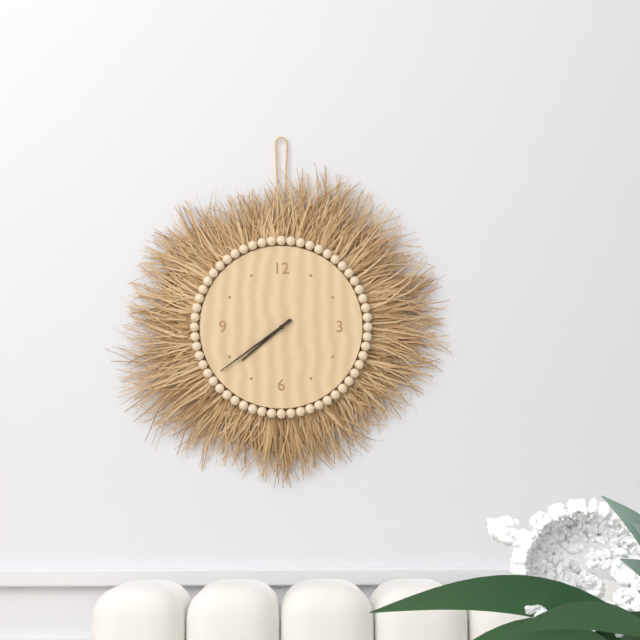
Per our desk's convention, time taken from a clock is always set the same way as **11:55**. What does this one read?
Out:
**7:39**
